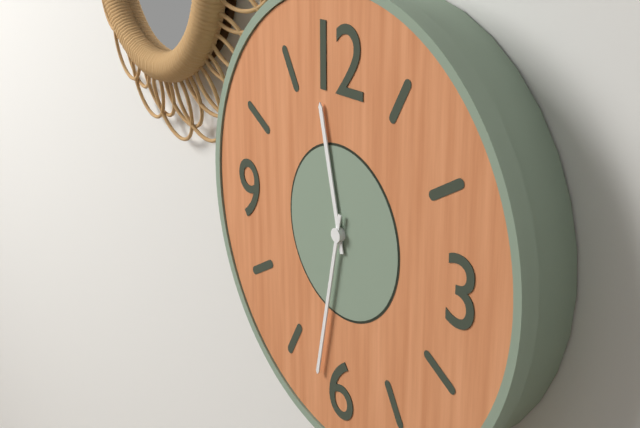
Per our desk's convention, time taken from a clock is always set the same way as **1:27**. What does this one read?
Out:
**11:32**
